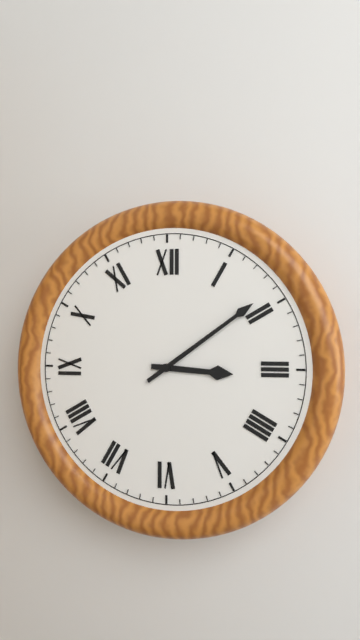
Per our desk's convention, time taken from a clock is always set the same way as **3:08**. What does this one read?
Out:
**3:09**
